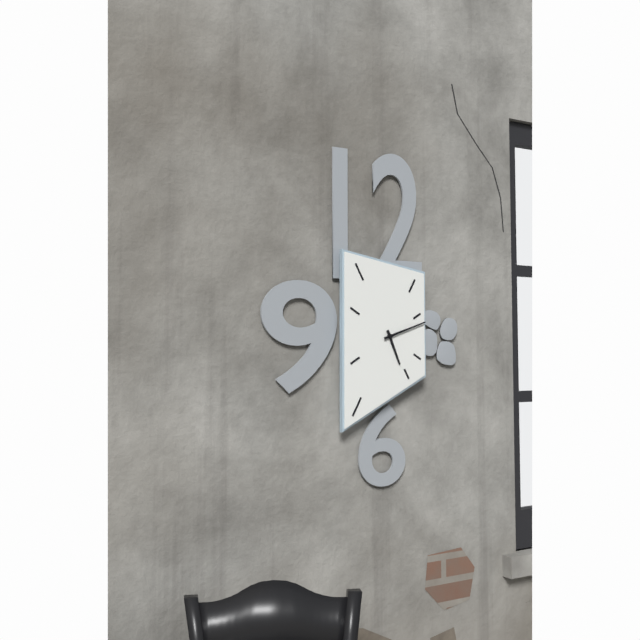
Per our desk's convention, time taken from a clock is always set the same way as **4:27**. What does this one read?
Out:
**5:12**
